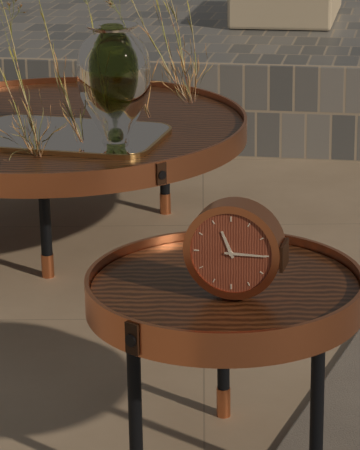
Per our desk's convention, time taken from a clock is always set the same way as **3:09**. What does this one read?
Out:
**11:15**
